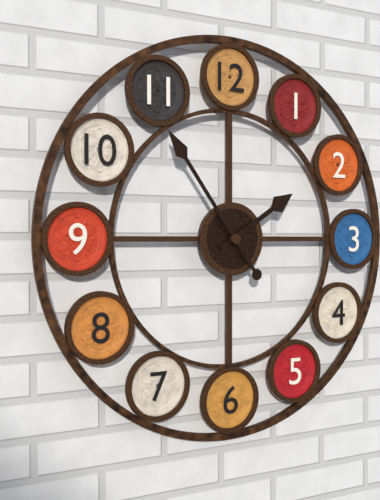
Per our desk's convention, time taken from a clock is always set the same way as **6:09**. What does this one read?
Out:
**1:54**
